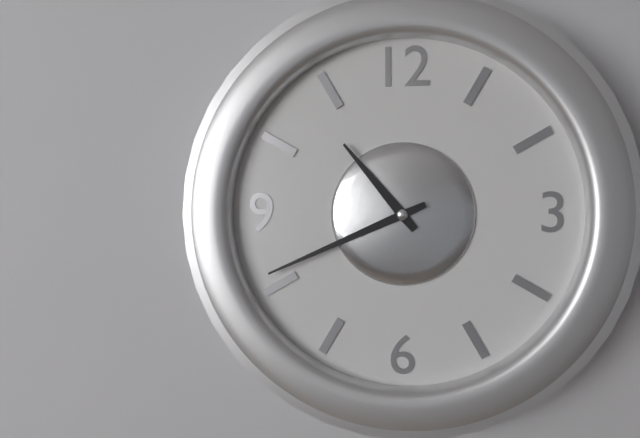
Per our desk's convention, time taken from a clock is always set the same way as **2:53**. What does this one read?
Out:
**10:41**
